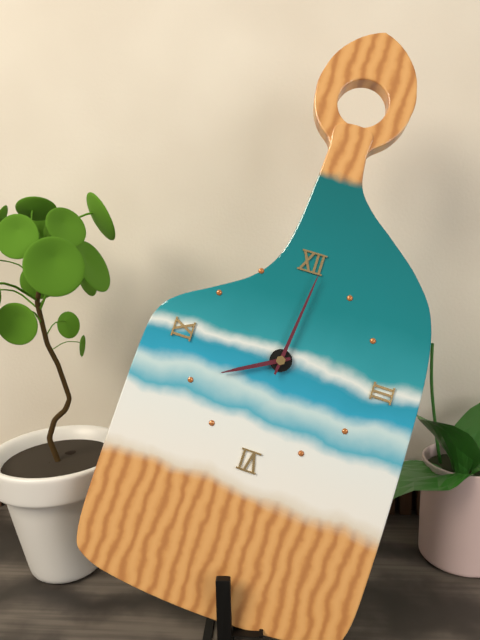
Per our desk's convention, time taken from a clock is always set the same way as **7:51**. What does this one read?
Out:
**8:01**
